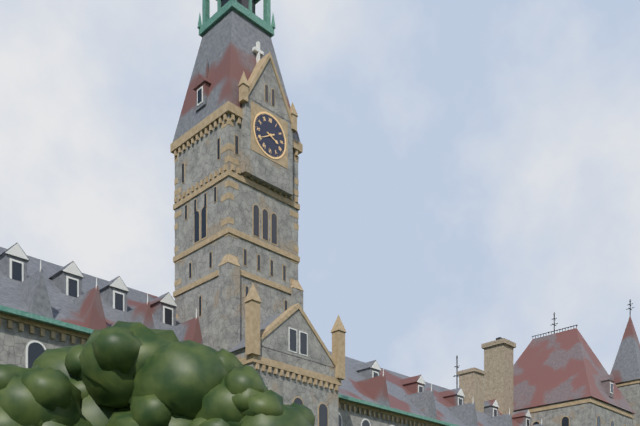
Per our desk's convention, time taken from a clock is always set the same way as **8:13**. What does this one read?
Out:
**3:40**
